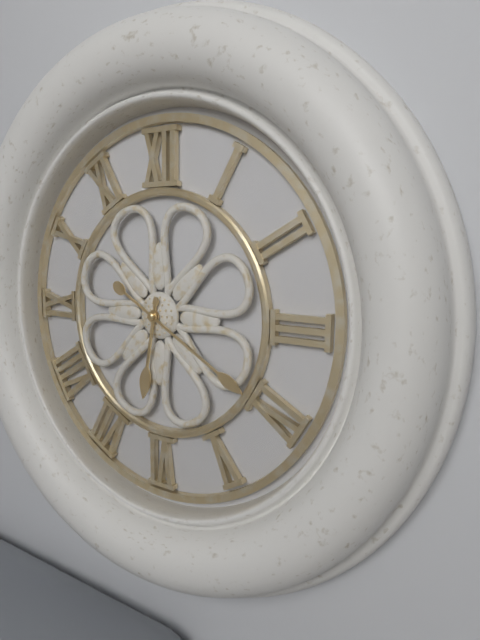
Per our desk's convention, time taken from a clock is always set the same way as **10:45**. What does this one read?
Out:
**6:20**
